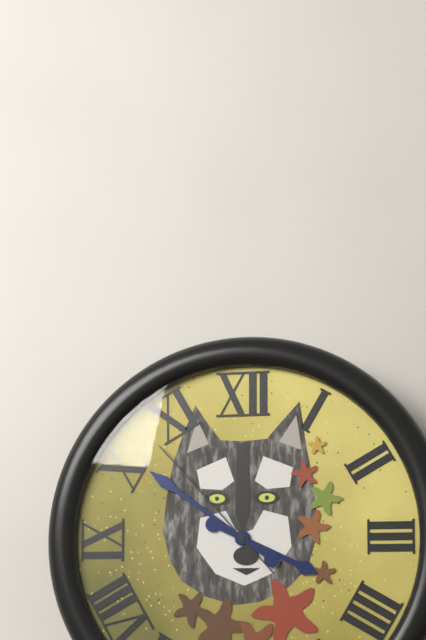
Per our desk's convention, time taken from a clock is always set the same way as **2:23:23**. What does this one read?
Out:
**3:51:53**
